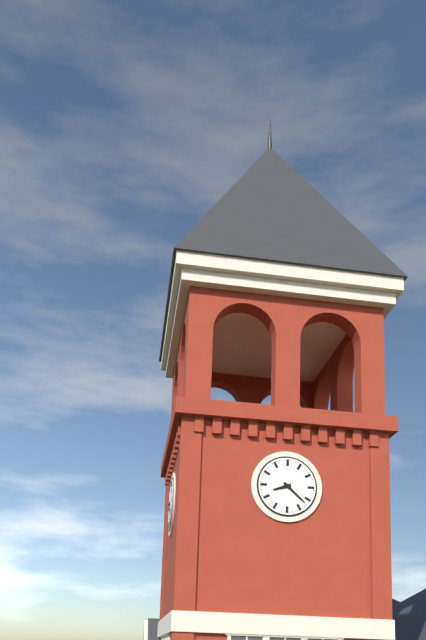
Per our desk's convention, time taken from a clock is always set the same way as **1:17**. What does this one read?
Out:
**8:22**
